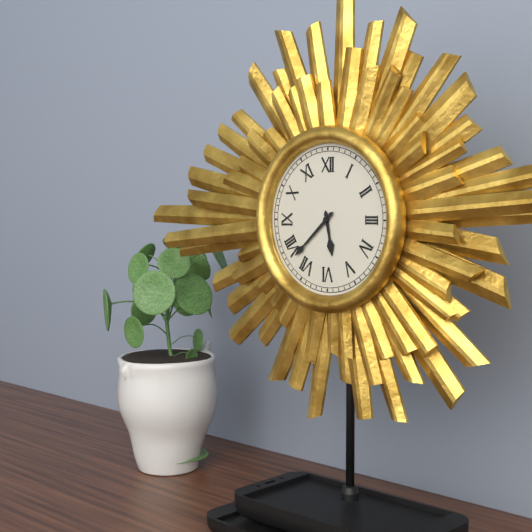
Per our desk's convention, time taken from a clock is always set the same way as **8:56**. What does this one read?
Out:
**5:38**
